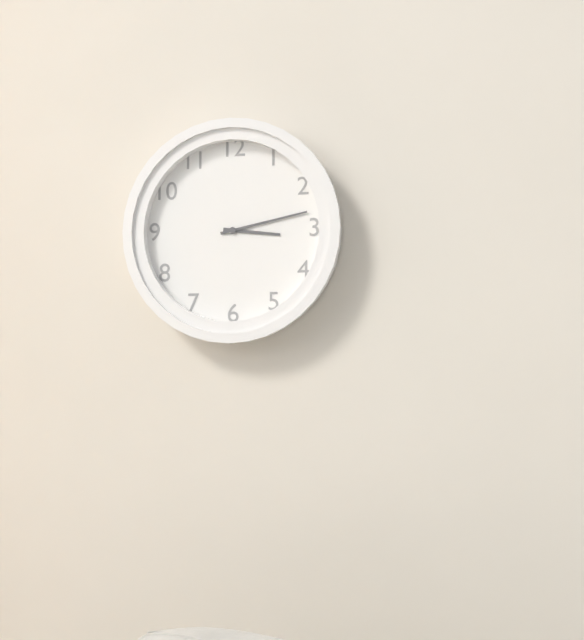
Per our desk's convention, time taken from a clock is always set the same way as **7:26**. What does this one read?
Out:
**3:13**
